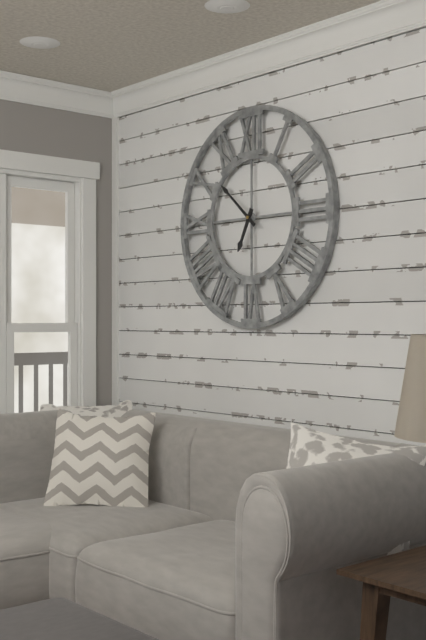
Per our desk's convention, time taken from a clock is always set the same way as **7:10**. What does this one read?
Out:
**6:52**
